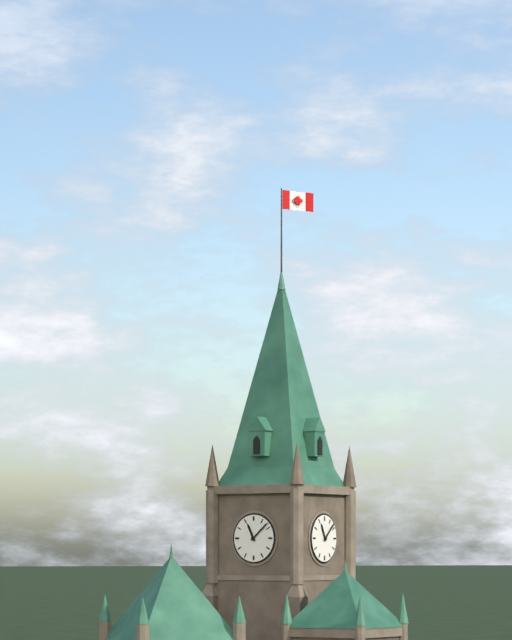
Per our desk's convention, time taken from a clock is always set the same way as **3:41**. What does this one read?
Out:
**11:08**
